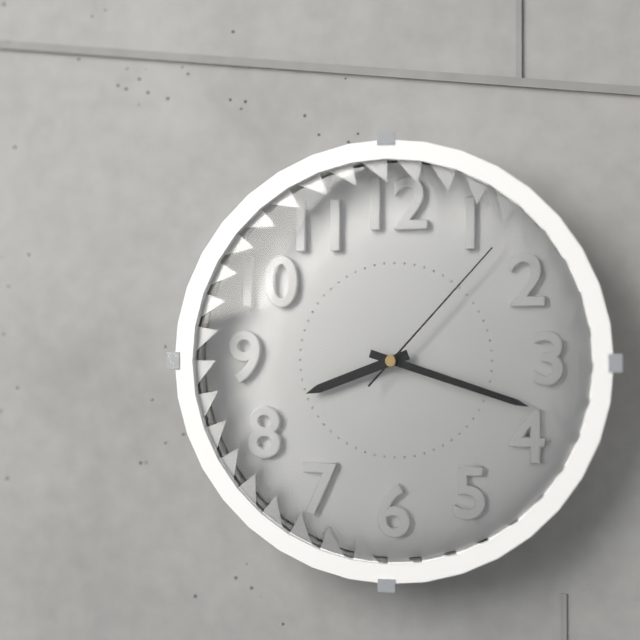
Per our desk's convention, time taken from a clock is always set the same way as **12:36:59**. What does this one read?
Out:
**8:18:07**
